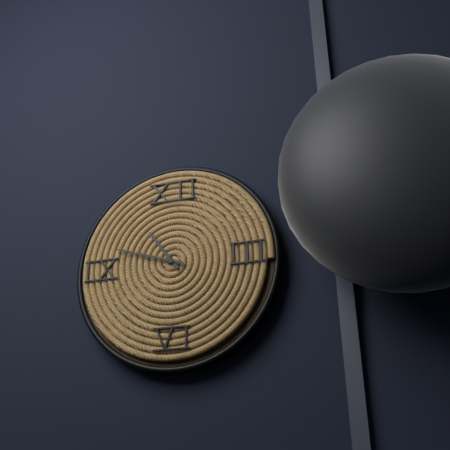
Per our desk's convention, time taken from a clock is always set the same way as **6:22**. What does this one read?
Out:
**10:48**
